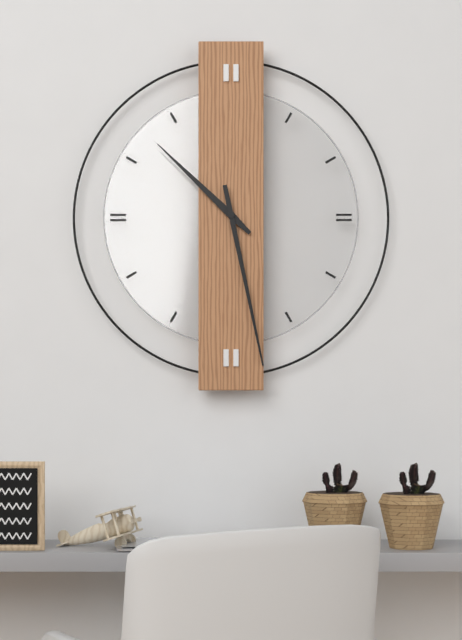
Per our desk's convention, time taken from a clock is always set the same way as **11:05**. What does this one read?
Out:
**10:28**
